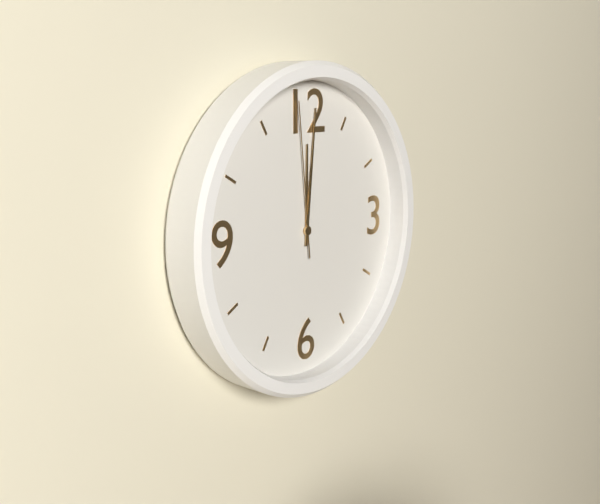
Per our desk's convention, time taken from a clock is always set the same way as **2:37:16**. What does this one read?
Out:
**12:01:59**
